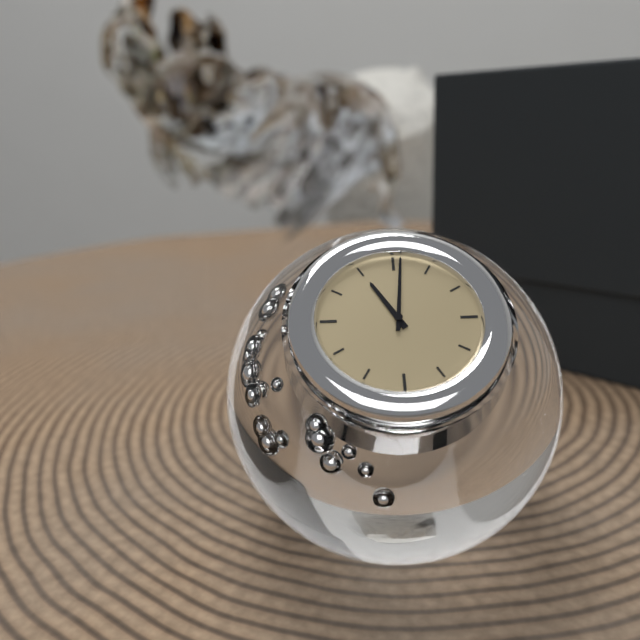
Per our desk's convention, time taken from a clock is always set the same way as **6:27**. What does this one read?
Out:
**11:01**
